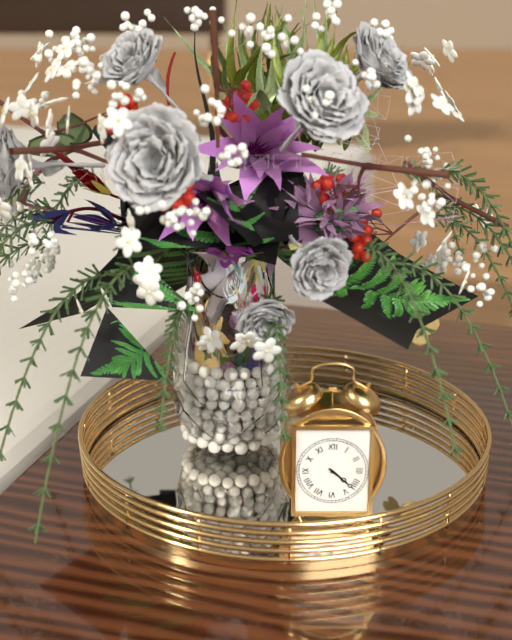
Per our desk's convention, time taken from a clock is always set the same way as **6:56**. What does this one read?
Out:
**4:22**
